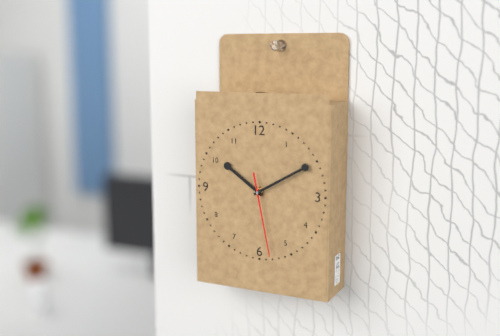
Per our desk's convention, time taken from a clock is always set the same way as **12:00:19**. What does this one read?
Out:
**10:10:28**
